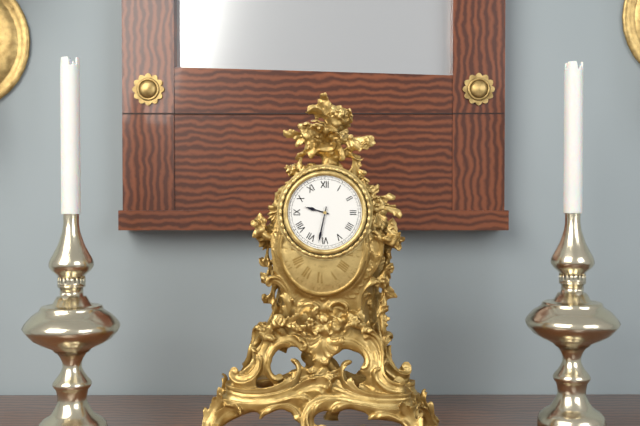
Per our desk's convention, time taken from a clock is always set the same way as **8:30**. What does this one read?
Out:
**9:32**
